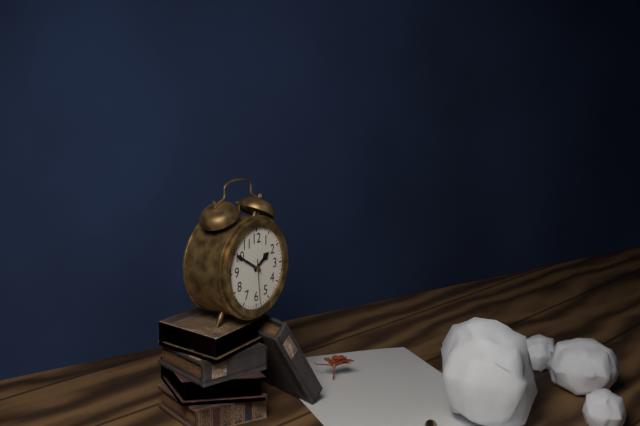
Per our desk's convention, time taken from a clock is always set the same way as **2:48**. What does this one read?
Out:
**1:50**
